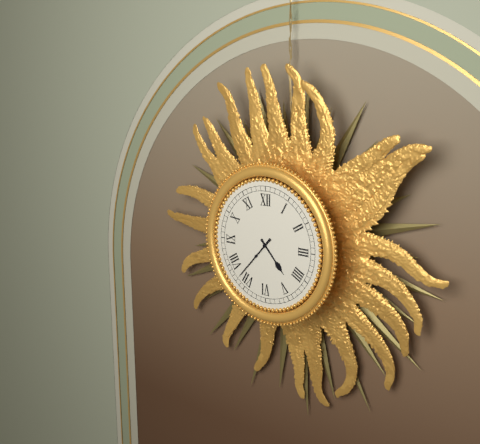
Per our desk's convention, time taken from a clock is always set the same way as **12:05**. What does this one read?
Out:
**4:37**
